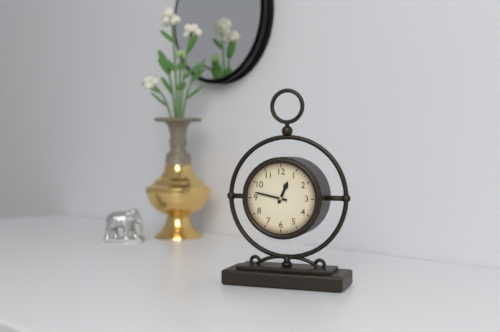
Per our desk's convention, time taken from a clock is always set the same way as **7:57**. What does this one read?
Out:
**12:47**
